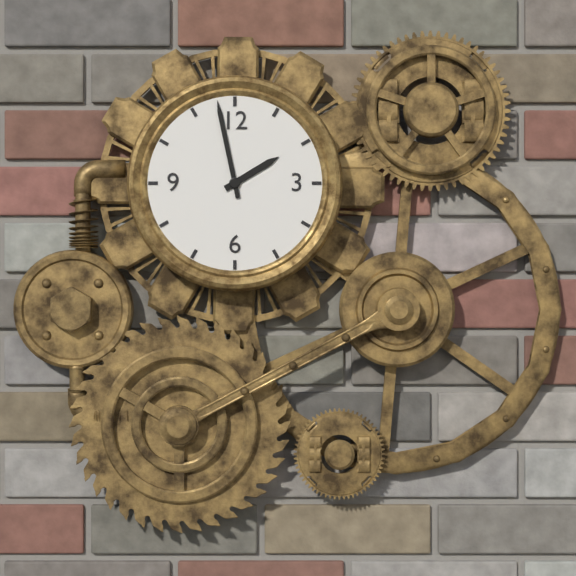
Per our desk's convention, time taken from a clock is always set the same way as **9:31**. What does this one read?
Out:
**1:58**
